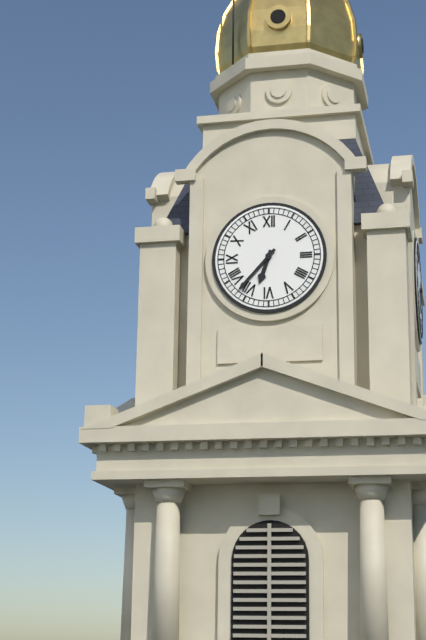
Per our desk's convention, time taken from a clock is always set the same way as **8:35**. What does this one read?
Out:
**6:37**
